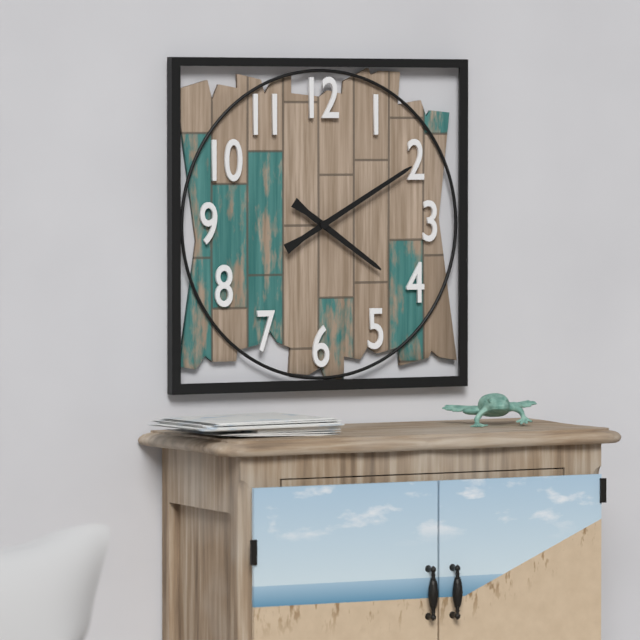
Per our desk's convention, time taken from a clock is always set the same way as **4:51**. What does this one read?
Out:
**4:10**
